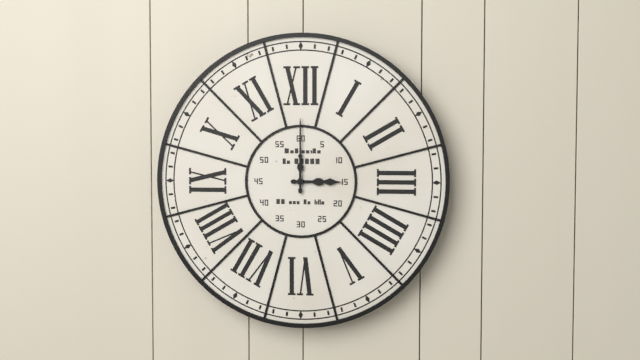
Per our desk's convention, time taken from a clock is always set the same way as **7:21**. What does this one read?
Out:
**3:00**
